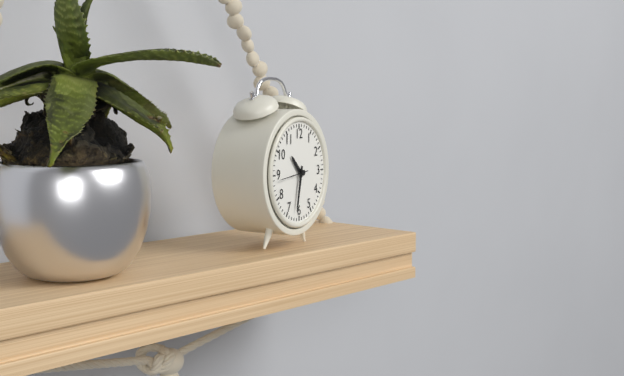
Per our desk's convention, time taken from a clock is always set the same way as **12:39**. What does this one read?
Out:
**10:32**
